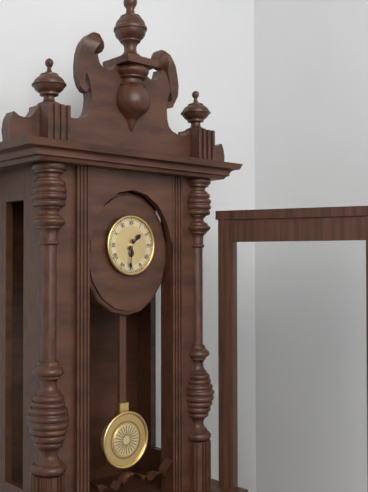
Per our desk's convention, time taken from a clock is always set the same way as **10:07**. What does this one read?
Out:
**1:31**
